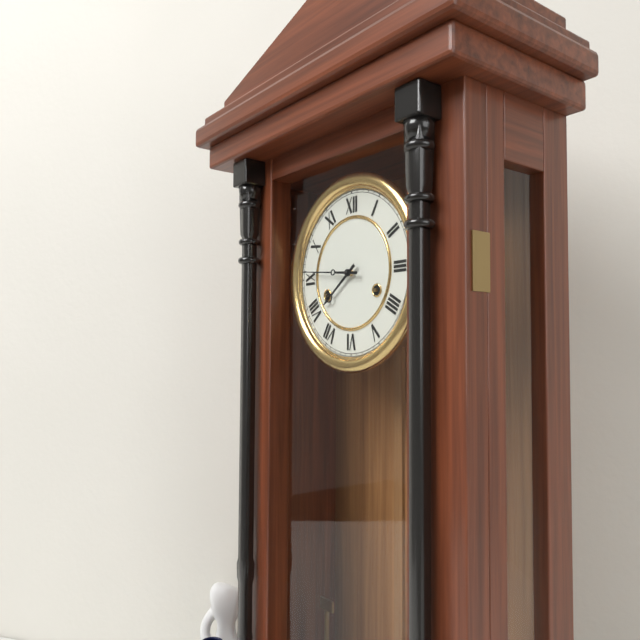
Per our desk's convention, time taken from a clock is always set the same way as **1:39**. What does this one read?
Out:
**7:46**
